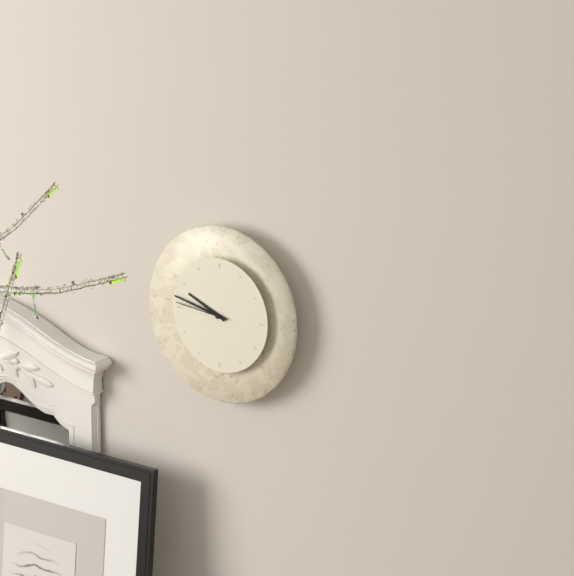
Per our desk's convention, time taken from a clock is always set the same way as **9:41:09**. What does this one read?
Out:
**9:47:46**
